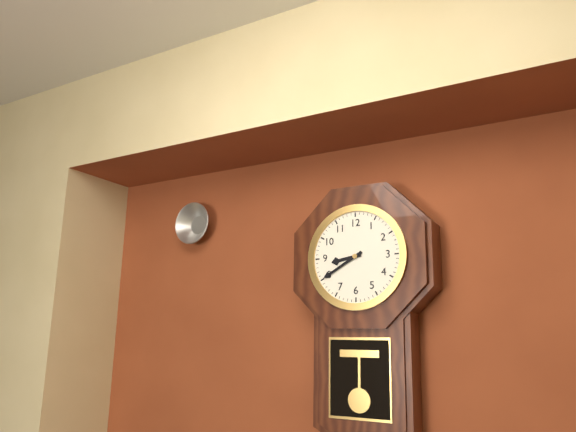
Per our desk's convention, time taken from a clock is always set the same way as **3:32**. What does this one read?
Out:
**8:40**
